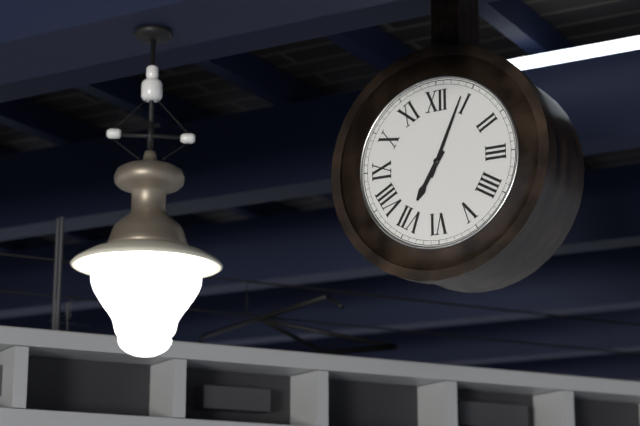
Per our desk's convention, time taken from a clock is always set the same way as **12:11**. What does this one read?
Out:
**7:04**
